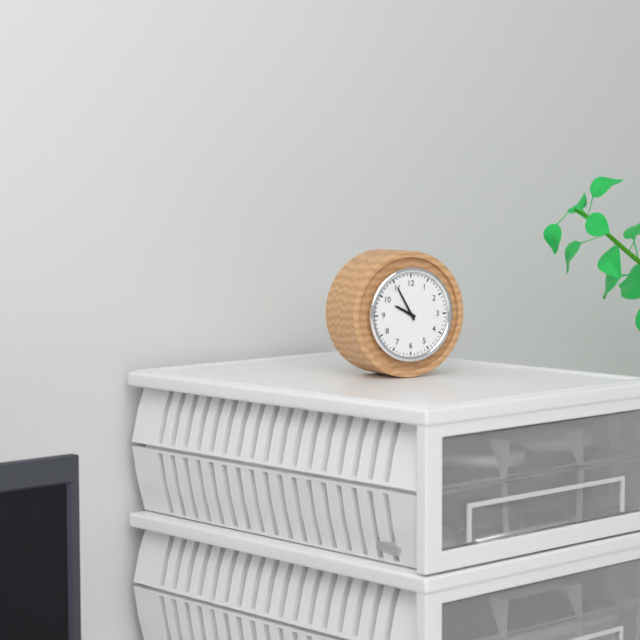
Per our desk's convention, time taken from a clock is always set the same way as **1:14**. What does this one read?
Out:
**9:55**
